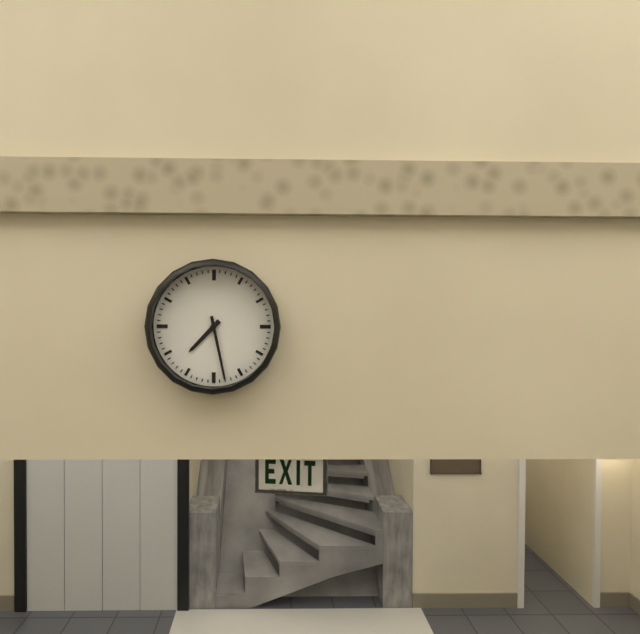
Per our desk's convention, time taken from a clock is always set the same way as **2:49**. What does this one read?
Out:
**7:28**
